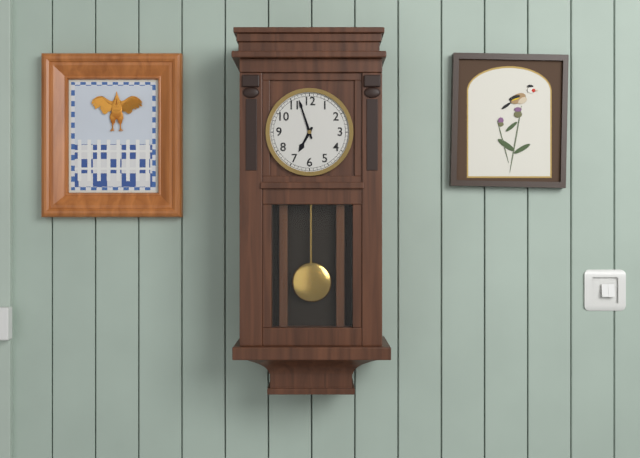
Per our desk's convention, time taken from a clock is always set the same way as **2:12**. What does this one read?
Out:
**6:57**
